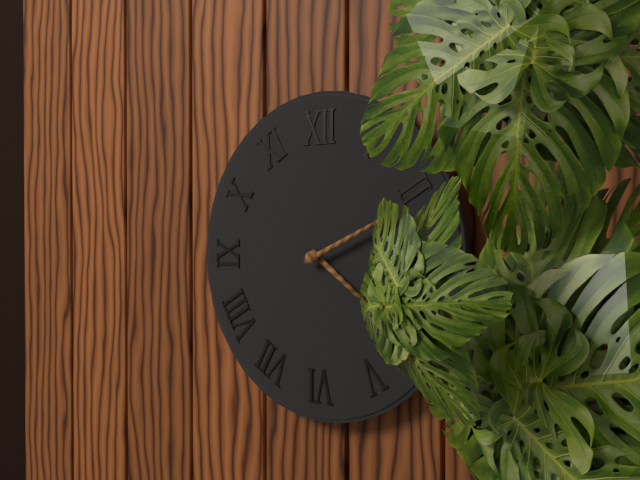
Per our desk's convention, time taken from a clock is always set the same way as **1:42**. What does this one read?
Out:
**4:11**
